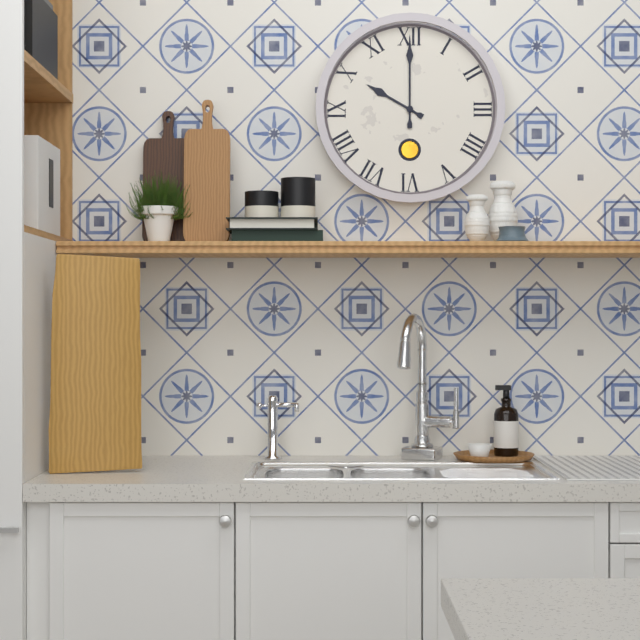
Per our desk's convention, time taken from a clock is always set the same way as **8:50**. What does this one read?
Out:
**10:00**
